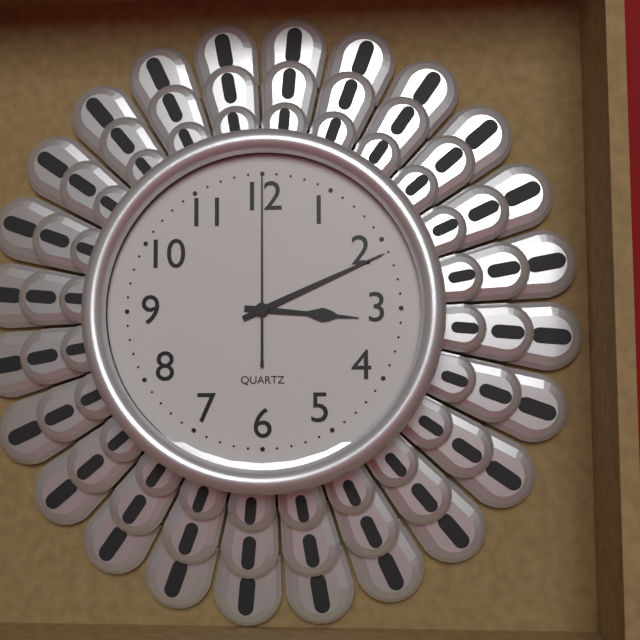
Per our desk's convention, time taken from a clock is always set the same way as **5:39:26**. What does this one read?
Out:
**3:11:00**
